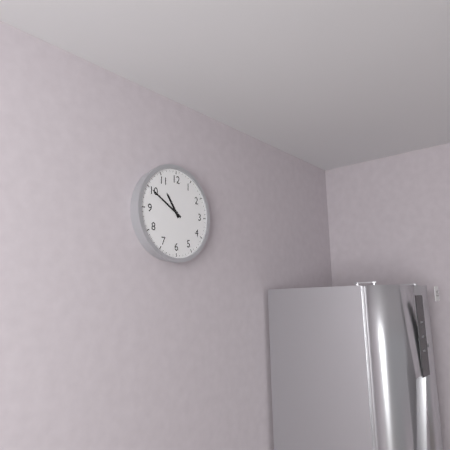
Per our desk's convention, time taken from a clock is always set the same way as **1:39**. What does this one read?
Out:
**10:50**
